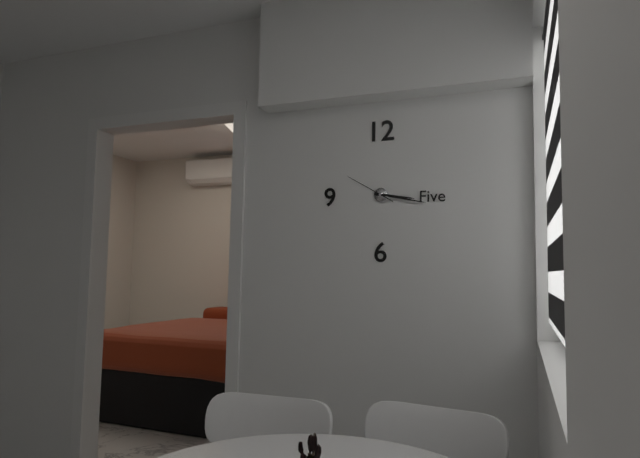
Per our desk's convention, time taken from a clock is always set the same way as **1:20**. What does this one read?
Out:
**3:17**
